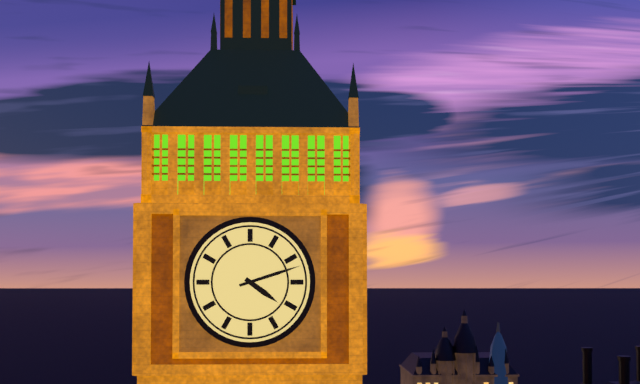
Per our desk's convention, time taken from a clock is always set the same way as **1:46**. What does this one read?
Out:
**4:12**
